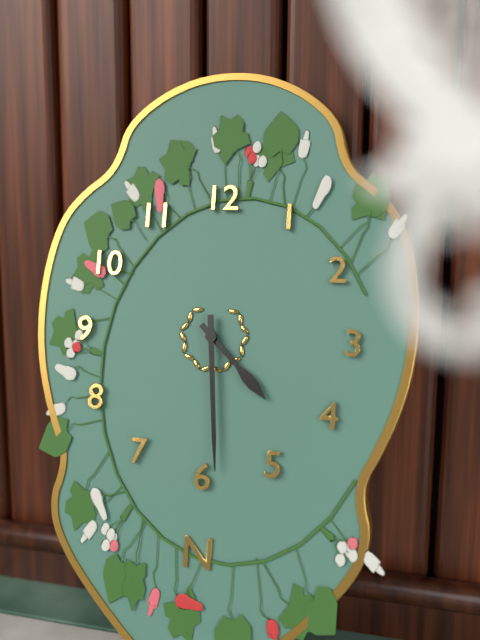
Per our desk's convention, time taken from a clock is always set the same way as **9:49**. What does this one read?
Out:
**4:29**
